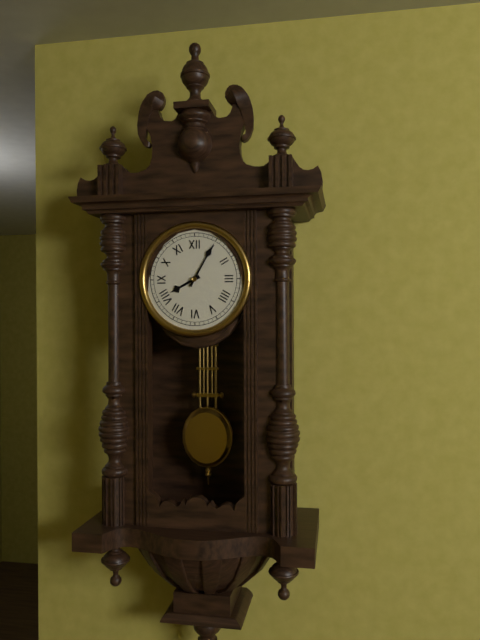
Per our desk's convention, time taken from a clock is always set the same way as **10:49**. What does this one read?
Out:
**8:05**
